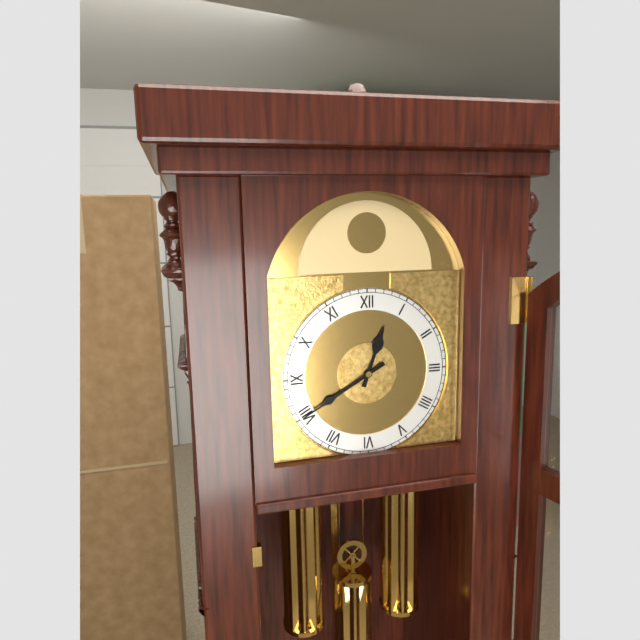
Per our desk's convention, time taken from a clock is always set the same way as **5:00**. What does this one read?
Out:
**12:40**
